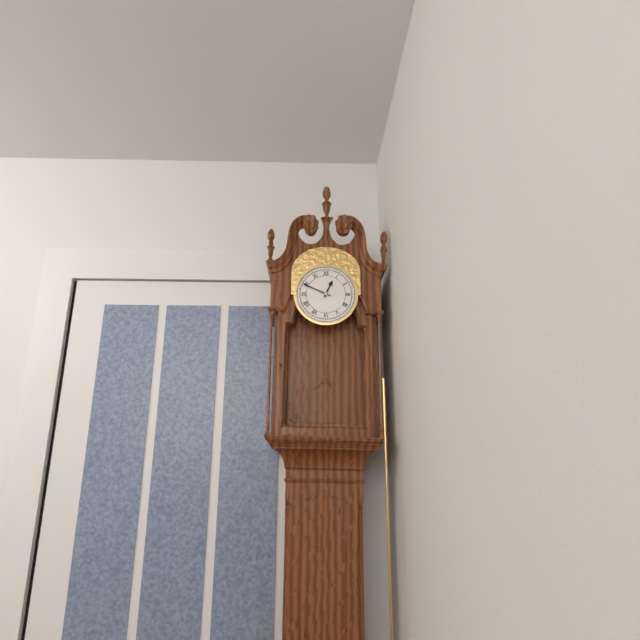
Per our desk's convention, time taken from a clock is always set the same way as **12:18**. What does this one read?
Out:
**12:49**
